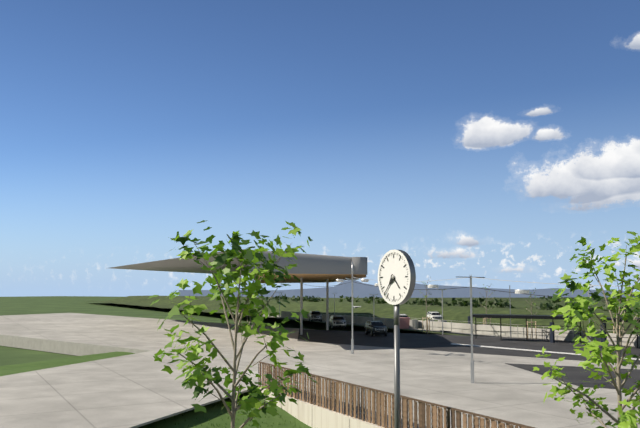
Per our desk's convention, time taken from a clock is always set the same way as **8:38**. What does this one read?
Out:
**4:37**
